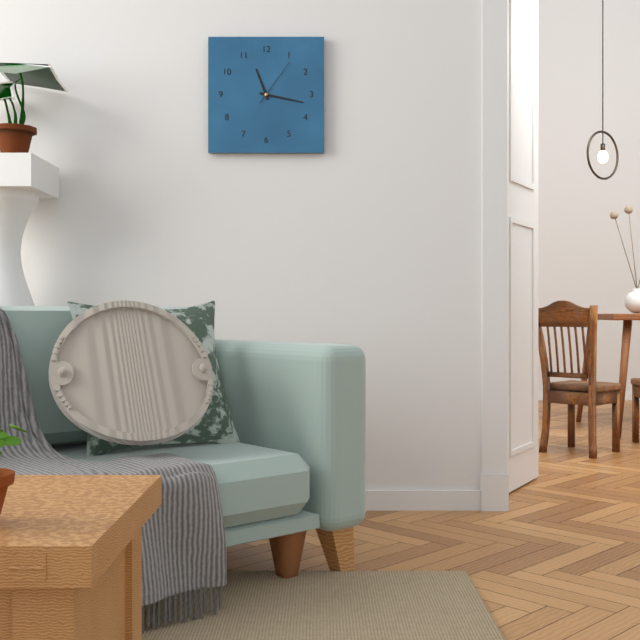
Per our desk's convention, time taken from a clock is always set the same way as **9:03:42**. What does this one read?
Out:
**11:17:06**
